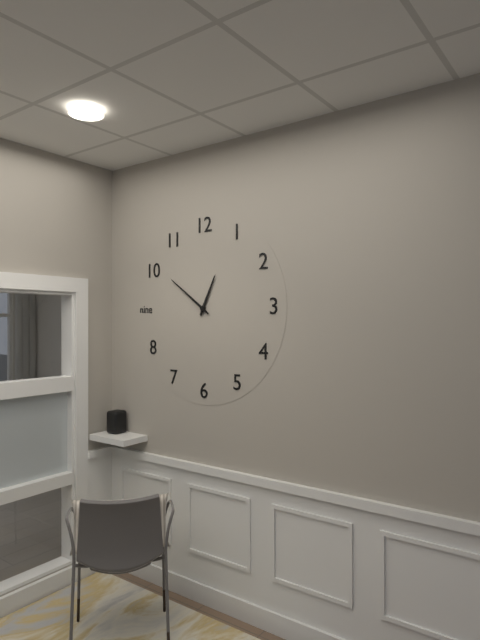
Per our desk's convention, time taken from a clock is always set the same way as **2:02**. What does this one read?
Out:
**12:51**
